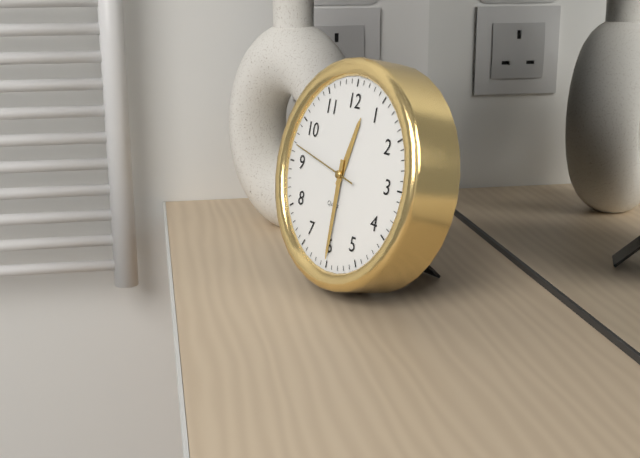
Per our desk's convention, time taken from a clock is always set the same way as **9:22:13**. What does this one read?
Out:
**12:30:47**
